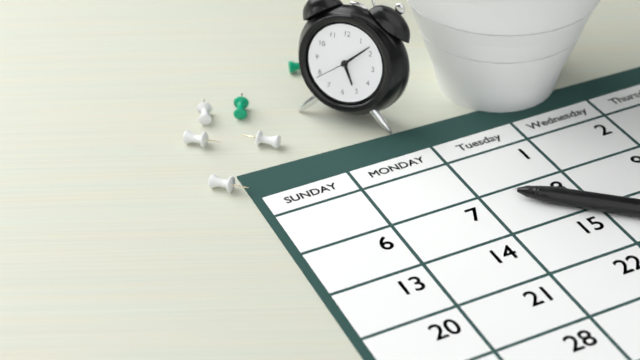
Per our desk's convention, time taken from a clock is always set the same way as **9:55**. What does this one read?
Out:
**5:08**
